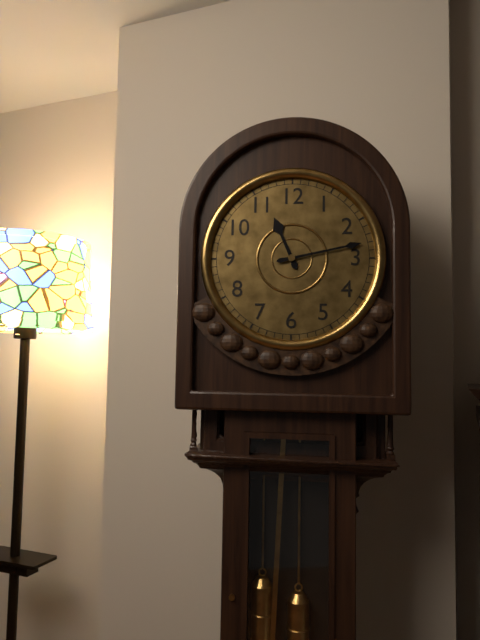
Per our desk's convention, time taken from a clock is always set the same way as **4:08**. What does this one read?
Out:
**11:13**
